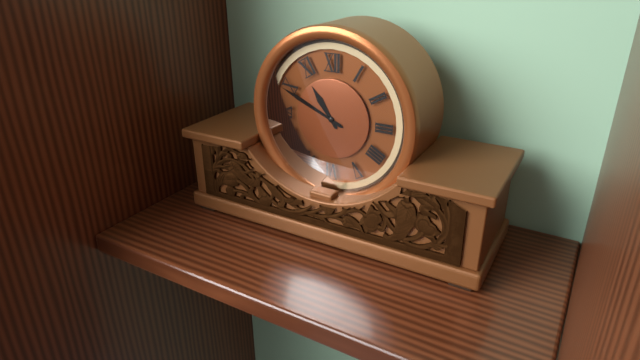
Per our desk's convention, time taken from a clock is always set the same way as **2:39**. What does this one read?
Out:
**10:49**
